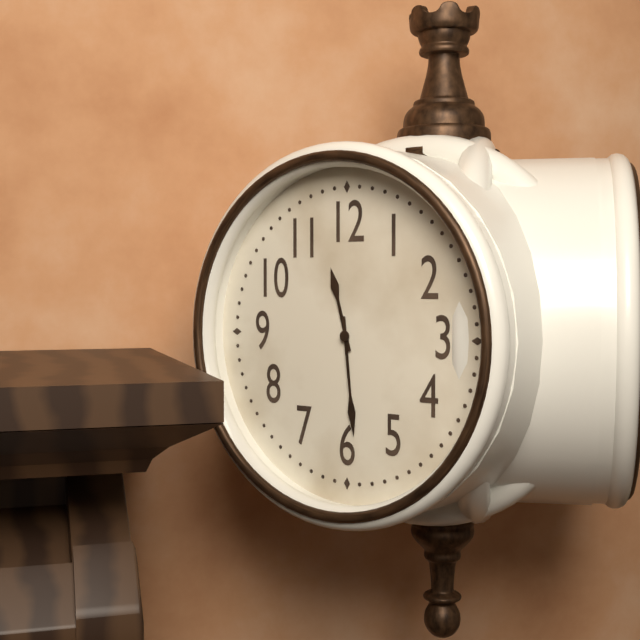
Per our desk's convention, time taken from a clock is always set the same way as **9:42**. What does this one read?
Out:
**11:29**
